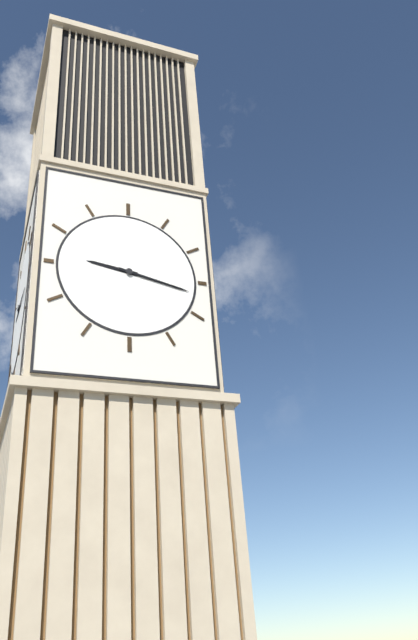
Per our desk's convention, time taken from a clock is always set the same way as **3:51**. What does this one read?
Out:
**9:17**
